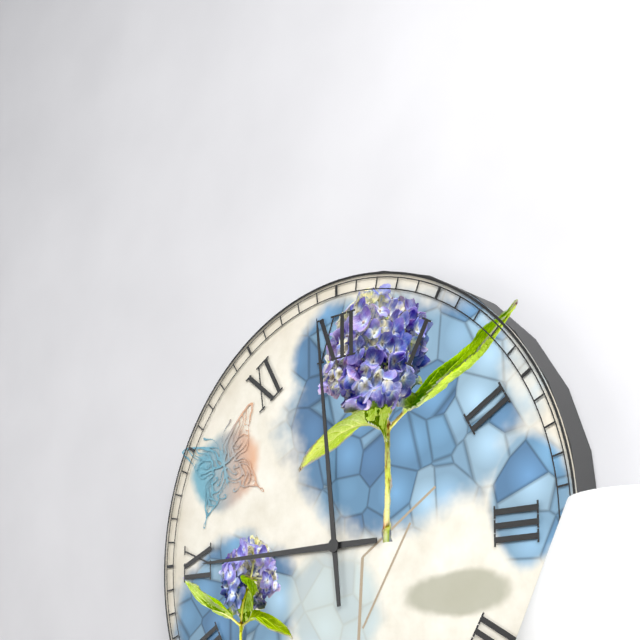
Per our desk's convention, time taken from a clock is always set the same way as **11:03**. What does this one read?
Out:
**8:59**
